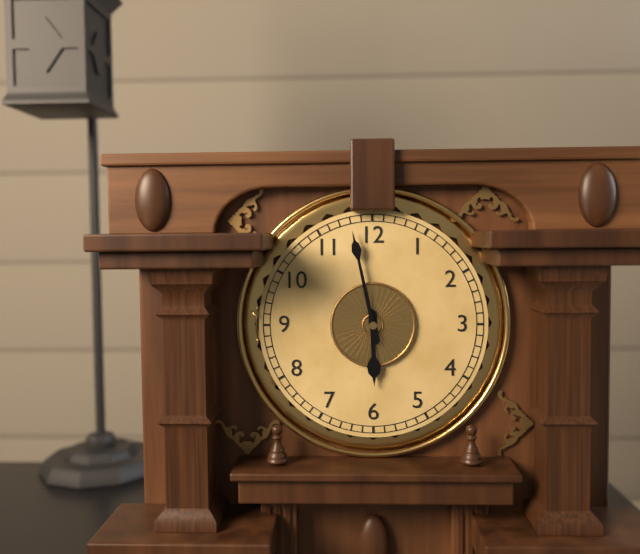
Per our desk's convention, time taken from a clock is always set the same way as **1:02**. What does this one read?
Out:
**5:58**
